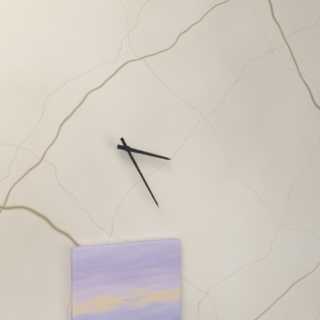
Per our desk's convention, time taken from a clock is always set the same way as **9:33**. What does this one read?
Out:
**3:25**
